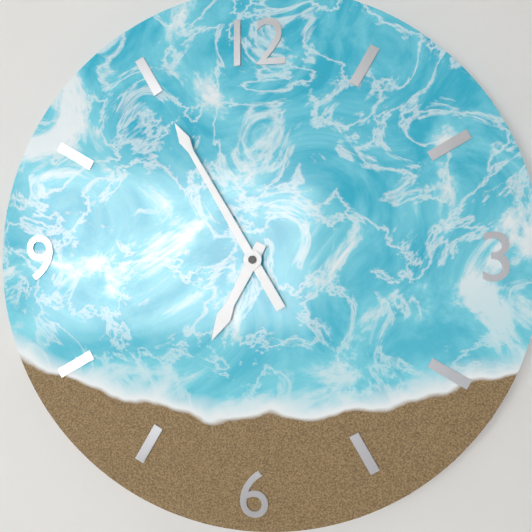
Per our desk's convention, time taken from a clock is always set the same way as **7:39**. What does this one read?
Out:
**6:55**
